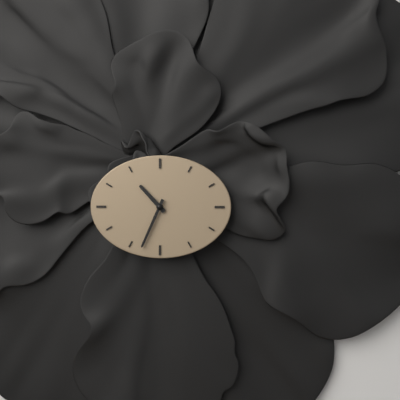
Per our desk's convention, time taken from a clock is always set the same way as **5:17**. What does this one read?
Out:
**10:34**
